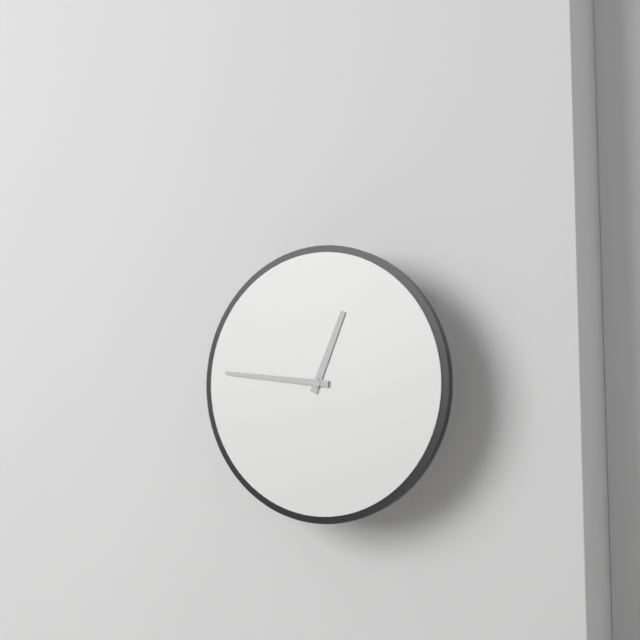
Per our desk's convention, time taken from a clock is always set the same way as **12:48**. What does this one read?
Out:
**12:46**
